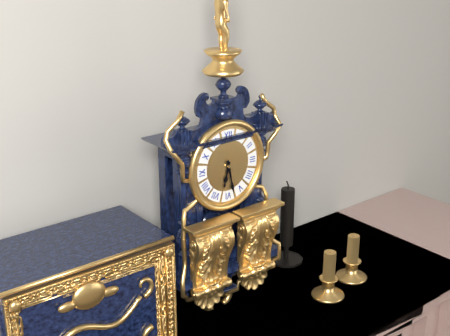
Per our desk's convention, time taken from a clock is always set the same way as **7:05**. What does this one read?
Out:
**6:28**
